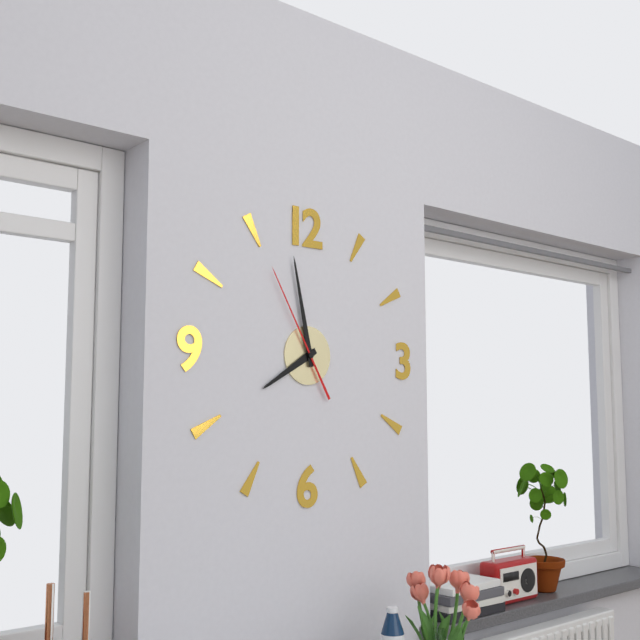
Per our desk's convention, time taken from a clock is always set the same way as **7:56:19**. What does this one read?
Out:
**7:58:55**
